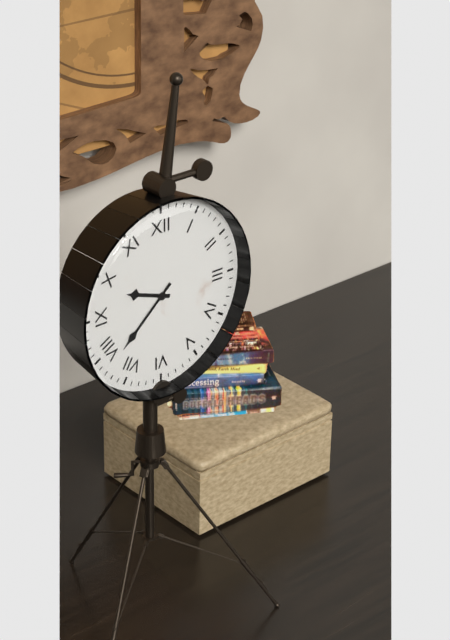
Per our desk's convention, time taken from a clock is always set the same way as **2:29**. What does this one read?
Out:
**9:38**
